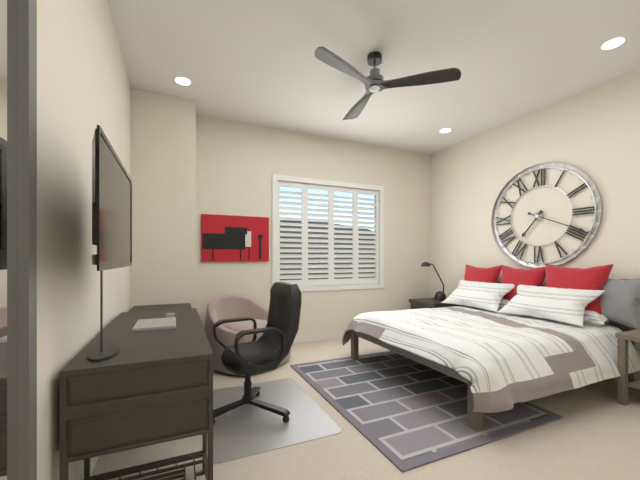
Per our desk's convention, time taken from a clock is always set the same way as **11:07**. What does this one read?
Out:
**7:19**
